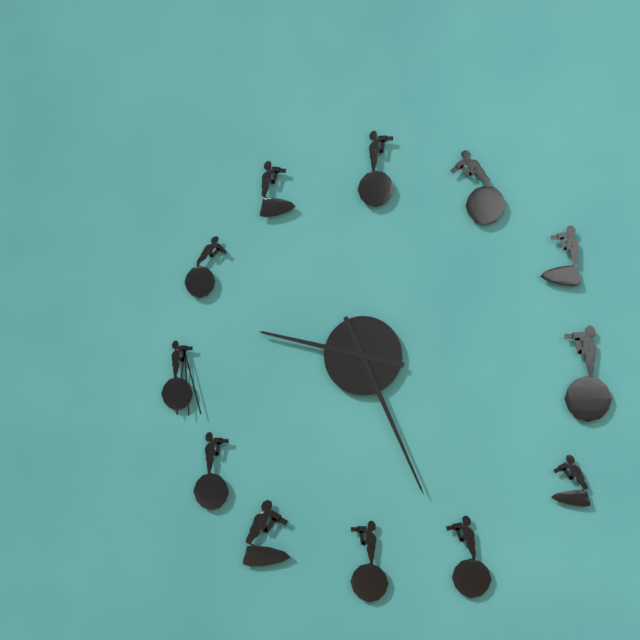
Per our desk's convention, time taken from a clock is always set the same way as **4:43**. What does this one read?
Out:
**9:26**
